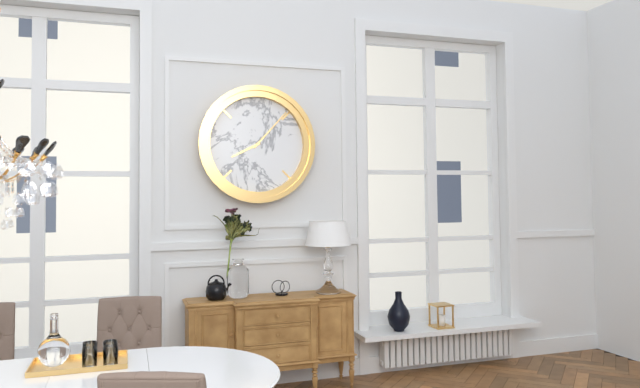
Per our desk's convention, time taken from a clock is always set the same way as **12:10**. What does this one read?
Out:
**8:07**
